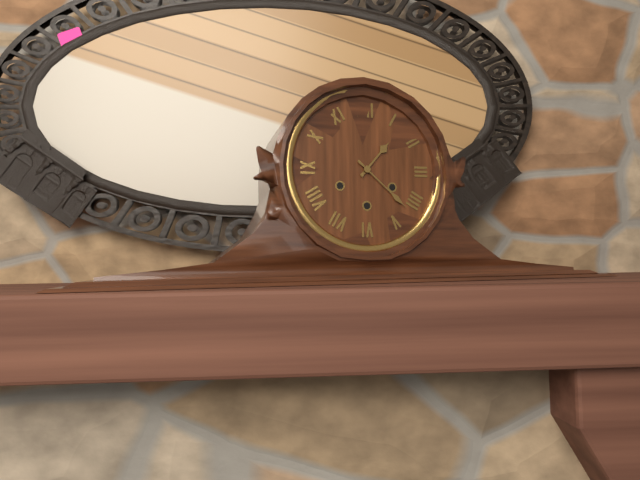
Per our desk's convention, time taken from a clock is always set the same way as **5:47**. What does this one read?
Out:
**1:22**
